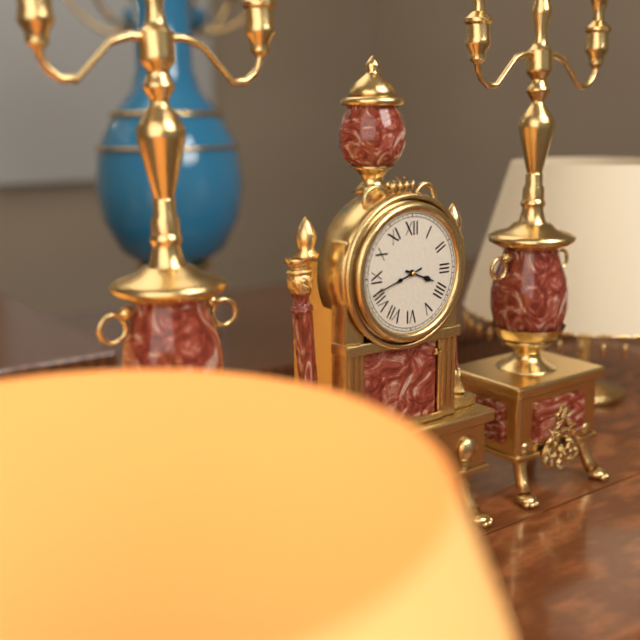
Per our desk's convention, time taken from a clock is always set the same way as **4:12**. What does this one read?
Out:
**3:42**
